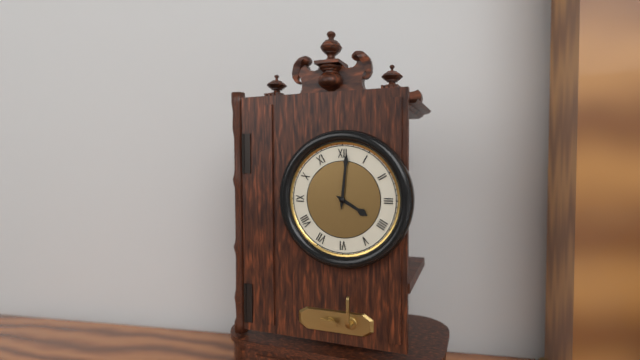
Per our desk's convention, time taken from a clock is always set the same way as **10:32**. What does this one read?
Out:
**4:01**
